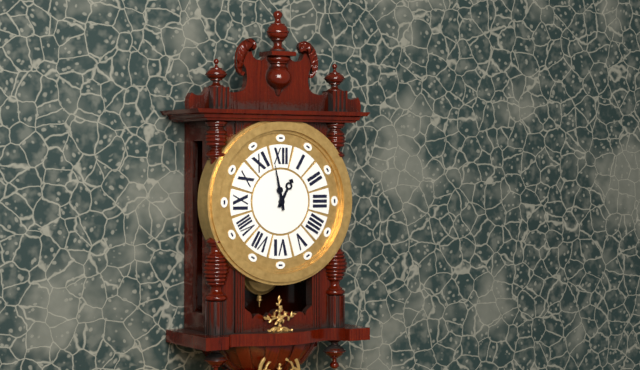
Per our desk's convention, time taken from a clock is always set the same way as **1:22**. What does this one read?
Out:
**12:58**
